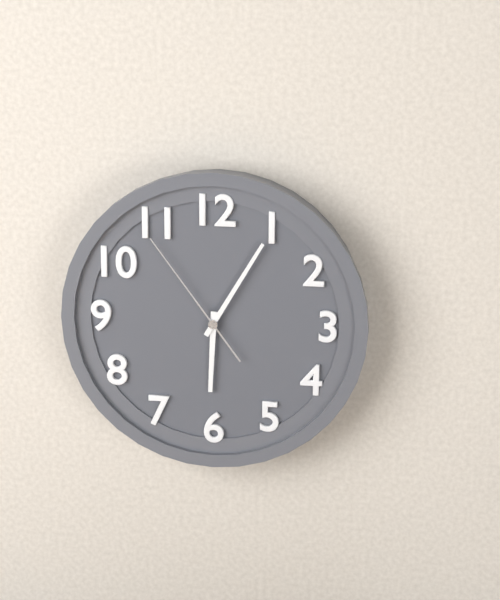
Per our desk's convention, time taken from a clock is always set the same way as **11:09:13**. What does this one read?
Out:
**6:05:54**
